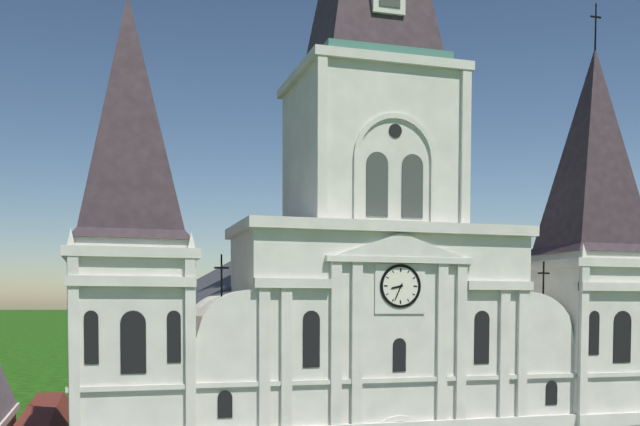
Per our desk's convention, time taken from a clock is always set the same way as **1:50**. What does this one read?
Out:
**8:34**
